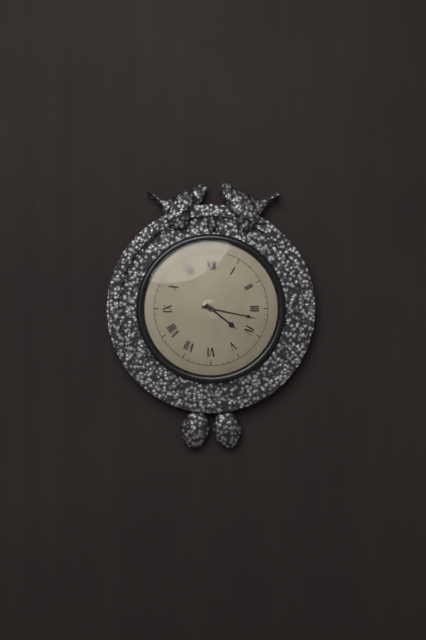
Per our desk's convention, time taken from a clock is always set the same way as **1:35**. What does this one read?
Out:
**4:17**
